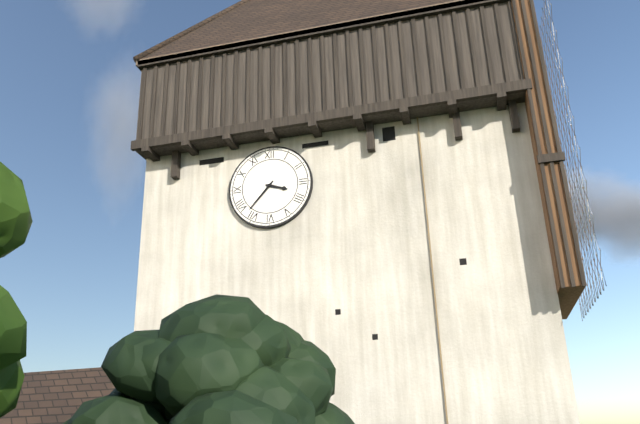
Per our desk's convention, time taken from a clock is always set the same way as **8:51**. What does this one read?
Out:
**3:37**
